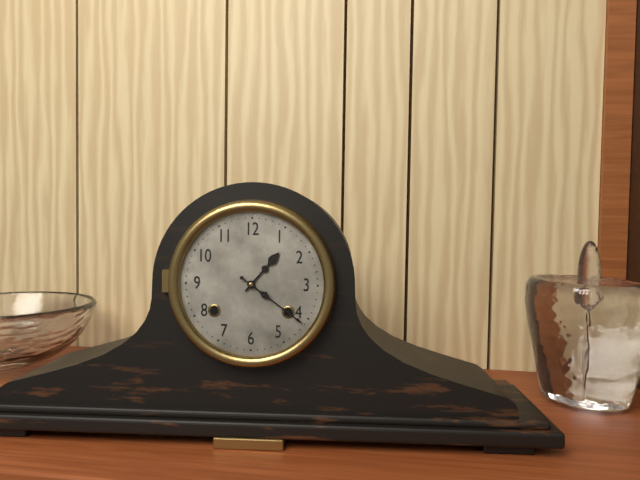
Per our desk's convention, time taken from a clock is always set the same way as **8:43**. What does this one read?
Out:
**1:21**
